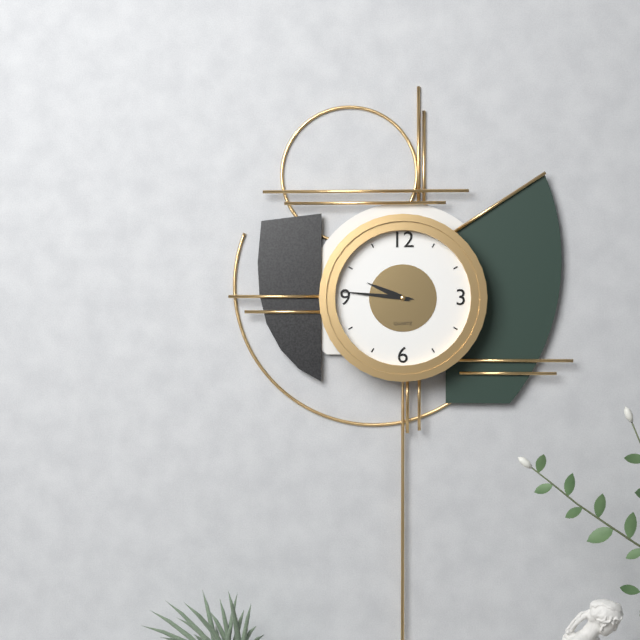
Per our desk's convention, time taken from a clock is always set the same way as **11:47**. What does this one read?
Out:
**9:46**
